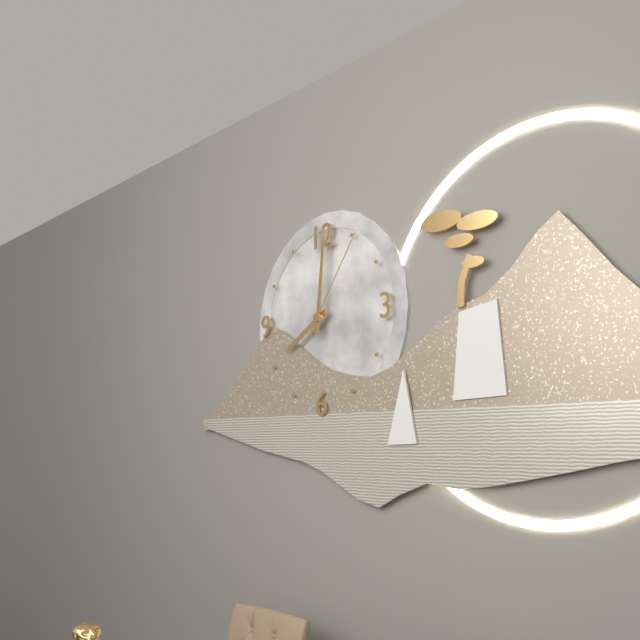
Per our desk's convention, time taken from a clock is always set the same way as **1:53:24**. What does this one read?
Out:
**8:01:06**
